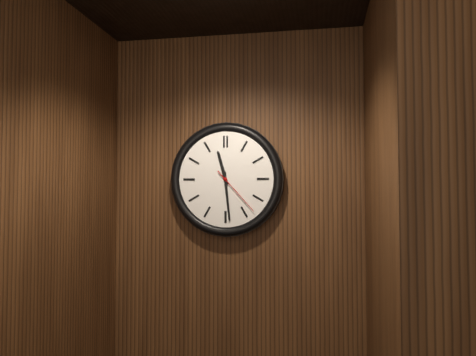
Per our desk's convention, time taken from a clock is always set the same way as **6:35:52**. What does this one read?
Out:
**11:29:23**
